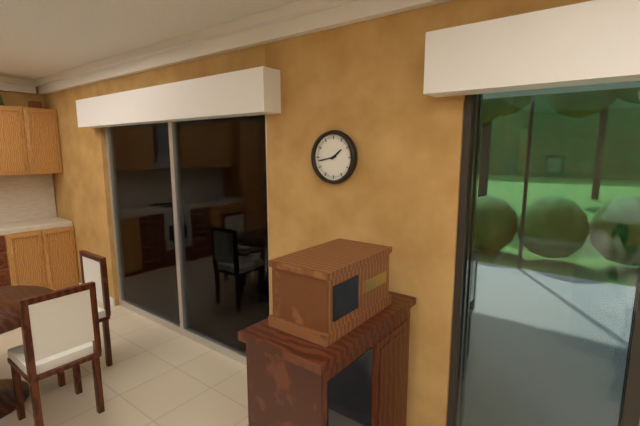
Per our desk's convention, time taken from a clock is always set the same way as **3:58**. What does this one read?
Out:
**1:43**
